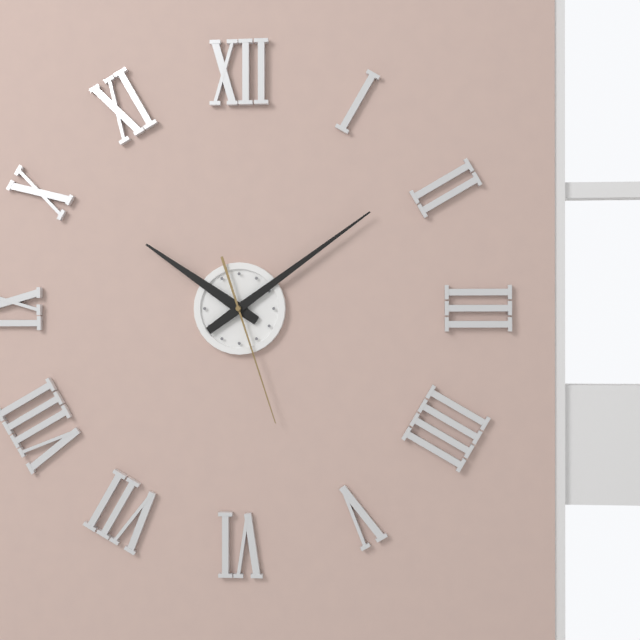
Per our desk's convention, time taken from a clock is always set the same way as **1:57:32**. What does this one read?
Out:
**10:09:27**
